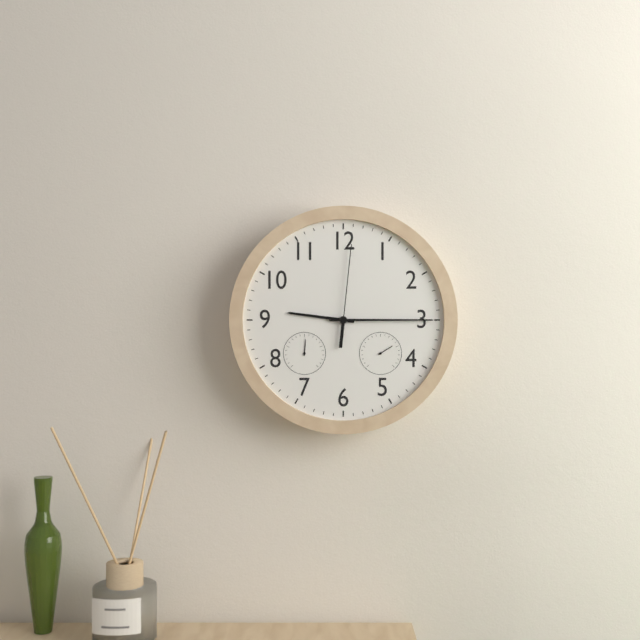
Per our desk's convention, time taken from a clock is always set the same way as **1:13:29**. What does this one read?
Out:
**9:15:01**
